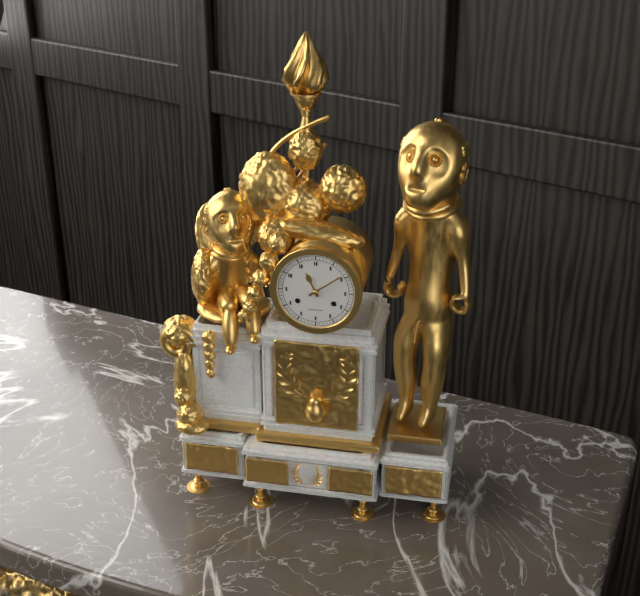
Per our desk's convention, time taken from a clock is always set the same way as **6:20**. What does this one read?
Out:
**11:09**
